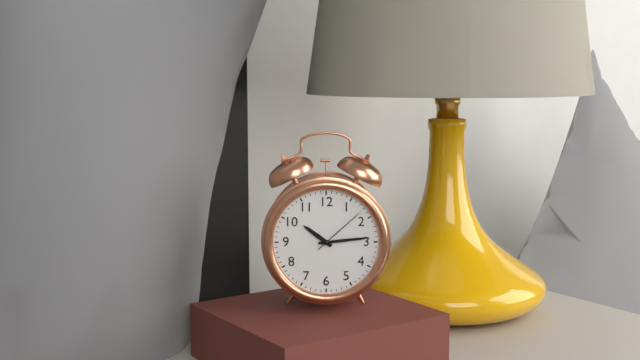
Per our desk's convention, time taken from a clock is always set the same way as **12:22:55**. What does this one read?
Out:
**10:14:08**
